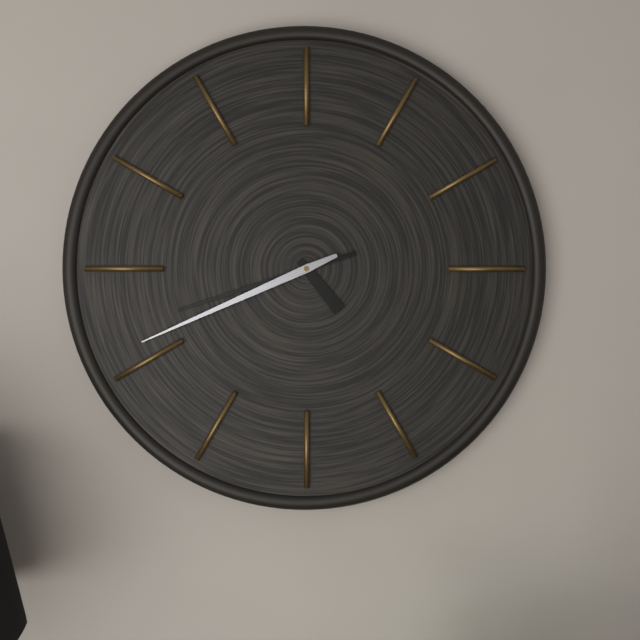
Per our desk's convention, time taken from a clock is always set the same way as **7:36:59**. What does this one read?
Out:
**4:42:41**
